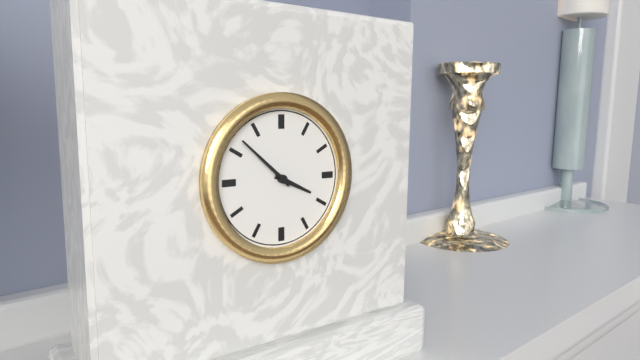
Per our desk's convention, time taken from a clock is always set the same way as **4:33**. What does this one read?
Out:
**3:52**
